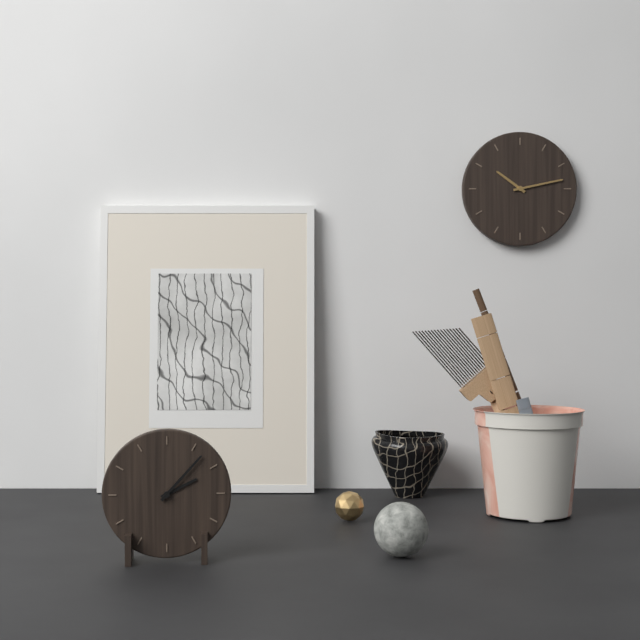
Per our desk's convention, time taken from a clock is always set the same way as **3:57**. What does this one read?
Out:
**2:07**
